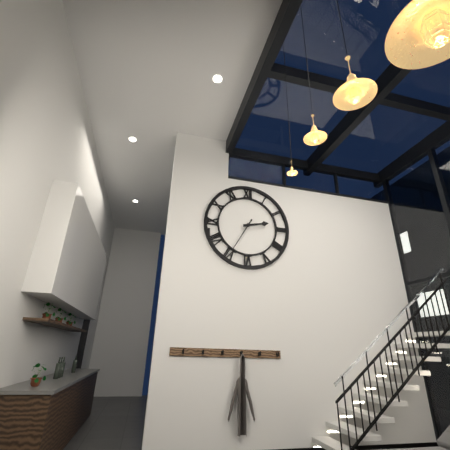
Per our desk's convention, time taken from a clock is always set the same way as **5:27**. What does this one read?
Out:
**2:35**
